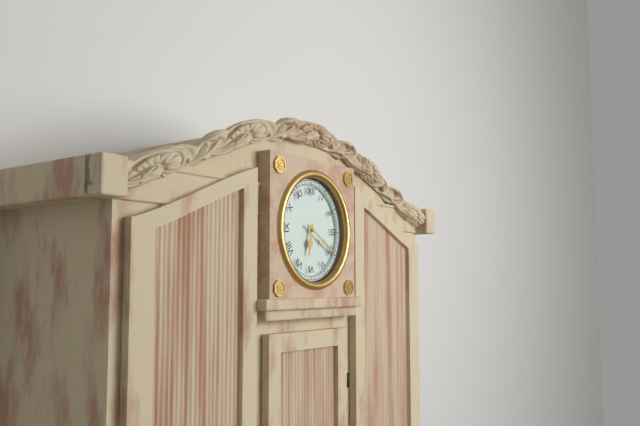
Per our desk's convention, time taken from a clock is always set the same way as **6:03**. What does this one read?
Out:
**6:20**
